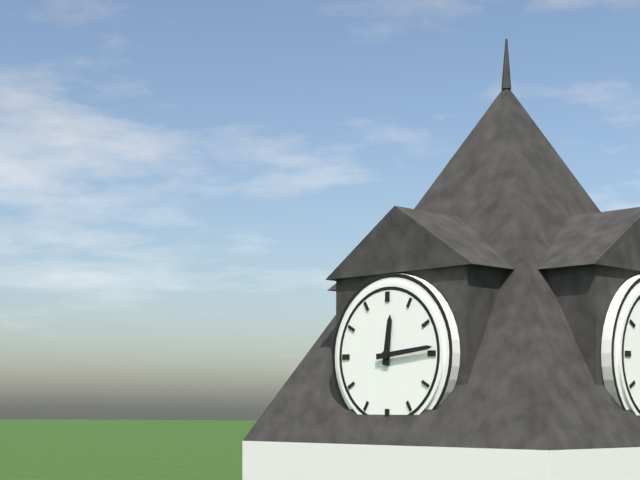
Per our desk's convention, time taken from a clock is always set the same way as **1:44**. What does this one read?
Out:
**12:14**
